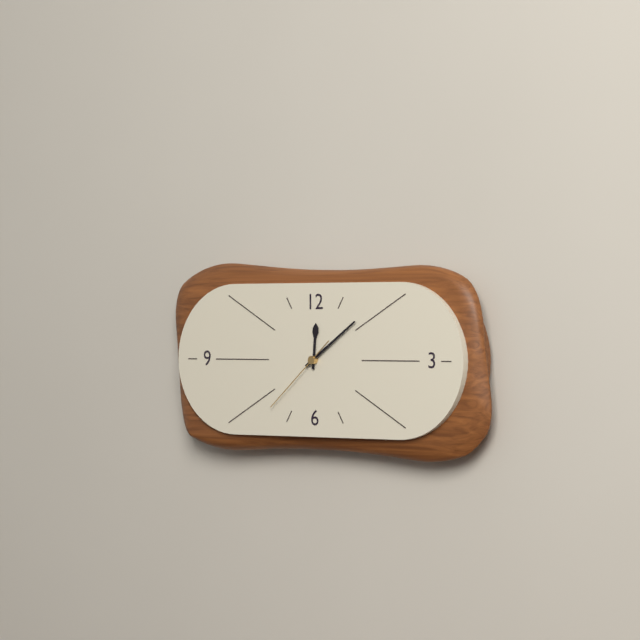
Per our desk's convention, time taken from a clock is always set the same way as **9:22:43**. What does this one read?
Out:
**12:09:38**
